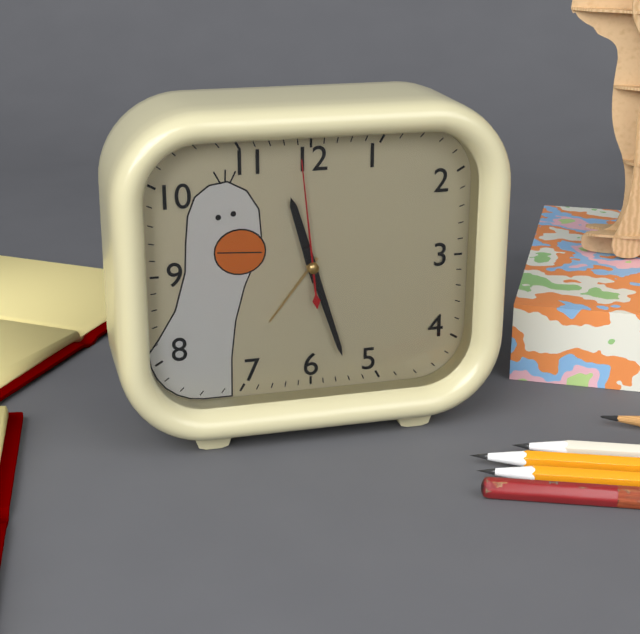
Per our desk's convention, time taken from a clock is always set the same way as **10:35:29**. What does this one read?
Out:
**11:27:59**
